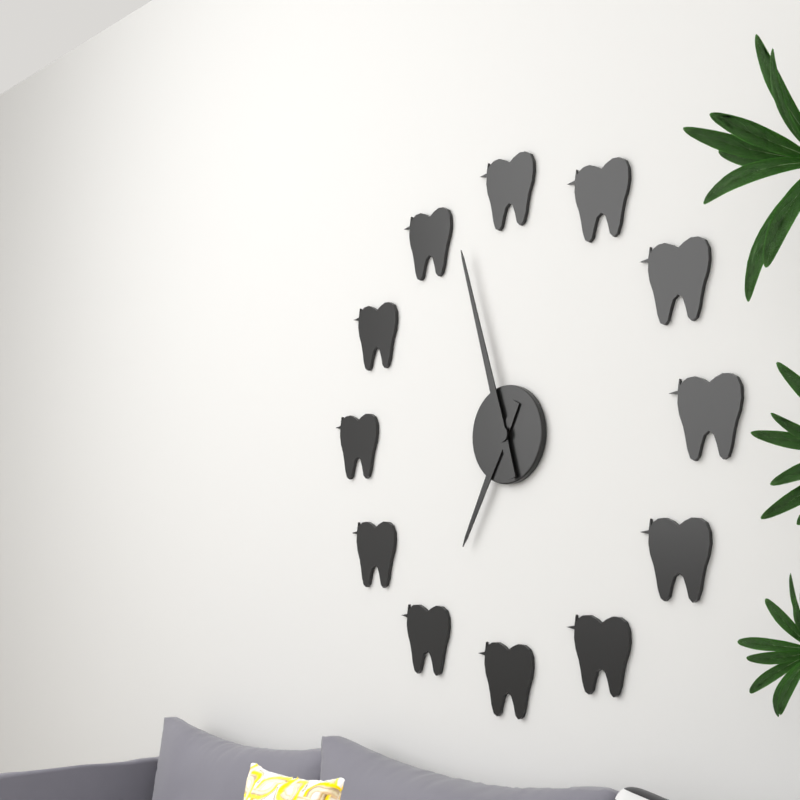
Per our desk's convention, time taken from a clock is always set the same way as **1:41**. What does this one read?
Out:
**6:57**
